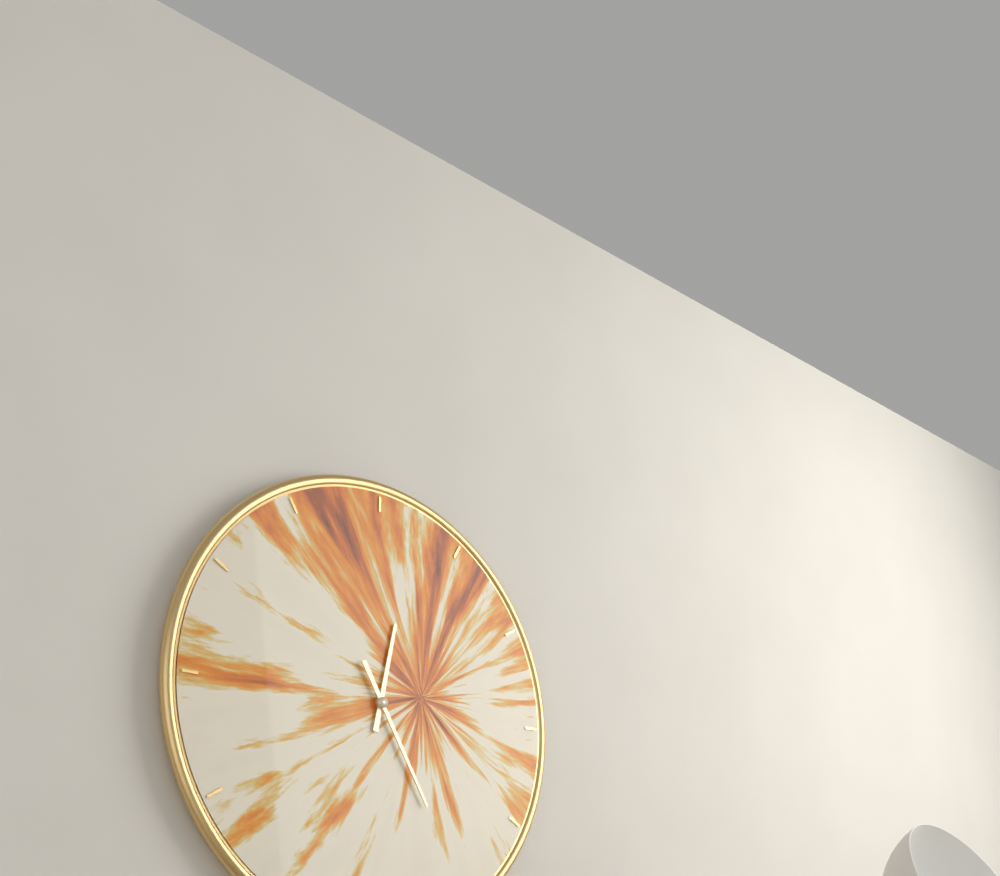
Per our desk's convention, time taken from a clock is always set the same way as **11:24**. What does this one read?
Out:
**12:25**
